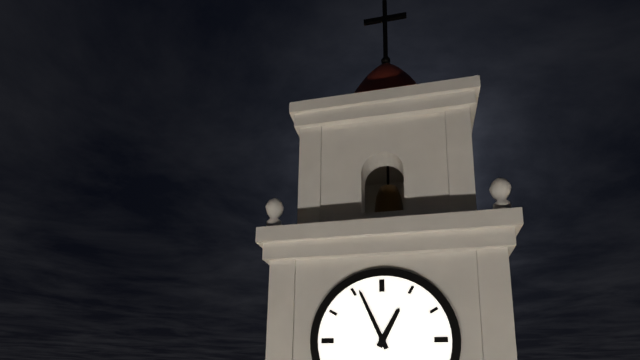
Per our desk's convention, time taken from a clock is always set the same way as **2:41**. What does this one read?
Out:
**12:56**
